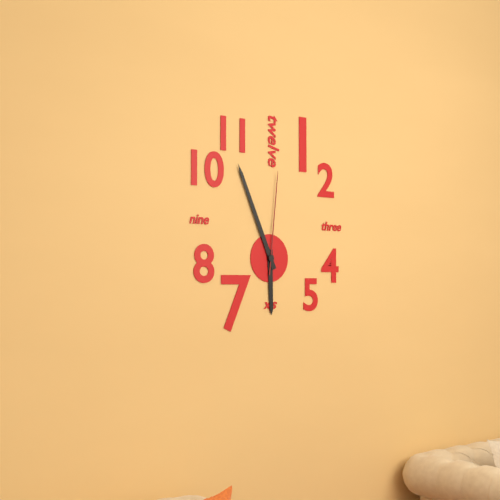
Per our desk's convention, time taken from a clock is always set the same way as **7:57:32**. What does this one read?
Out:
**5:56:01**
